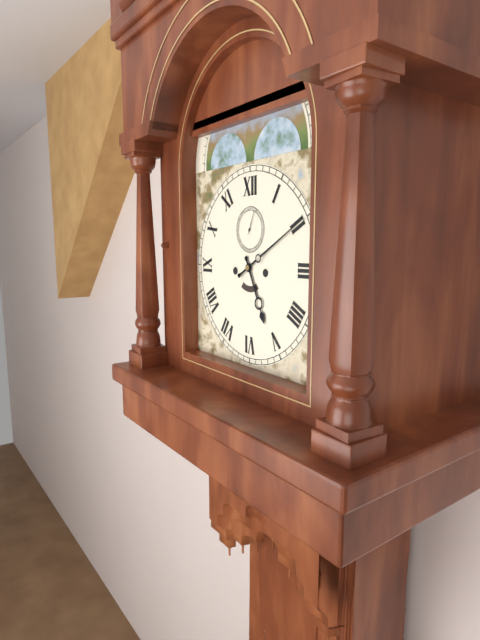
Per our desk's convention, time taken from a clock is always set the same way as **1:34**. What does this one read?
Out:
**5:10**
